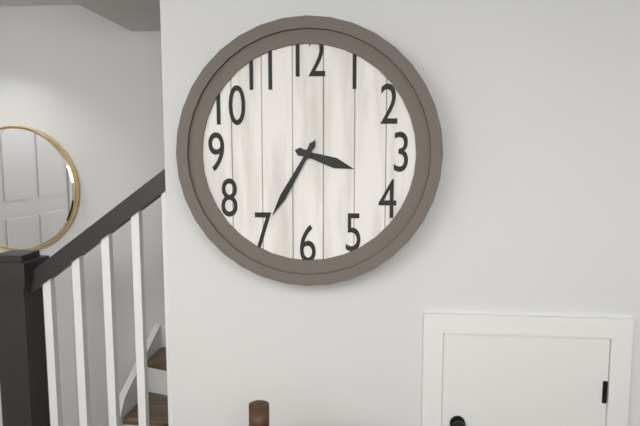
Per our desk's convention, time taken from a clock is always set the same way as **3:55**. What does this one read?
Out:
**3:35**
